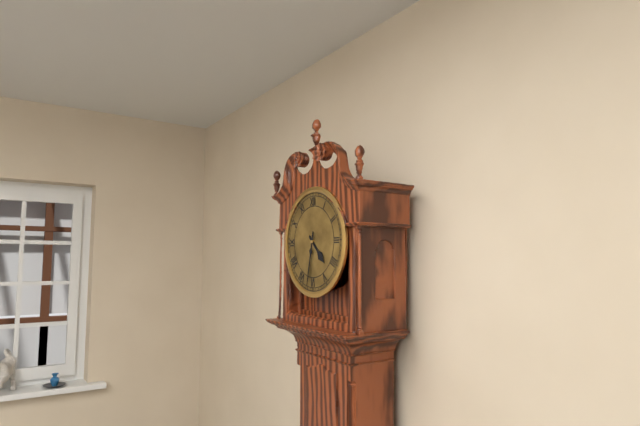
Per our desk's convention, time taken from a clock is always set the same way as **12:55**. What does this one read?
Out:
**4:32**
